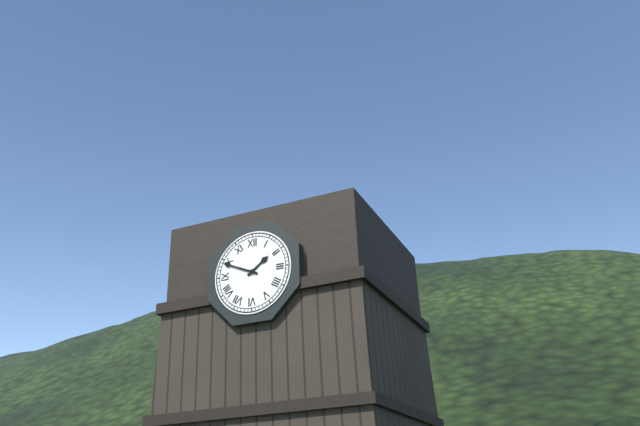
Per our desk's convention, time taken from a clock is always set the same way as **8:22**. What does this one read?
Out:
**1:49**
